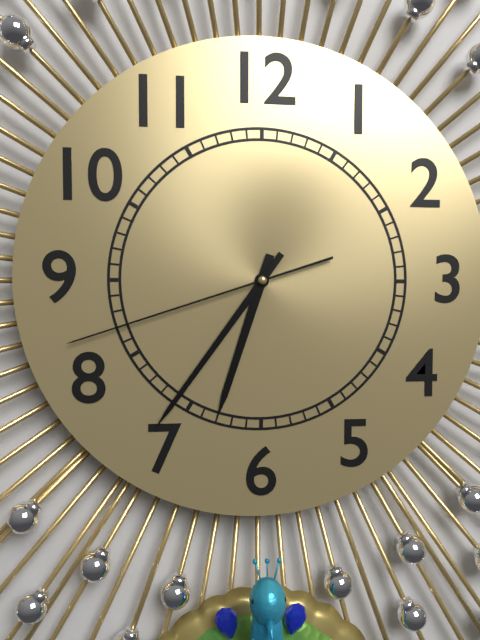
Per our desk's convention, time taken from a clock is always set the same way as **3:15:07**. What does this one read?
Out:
**6:36:42**
